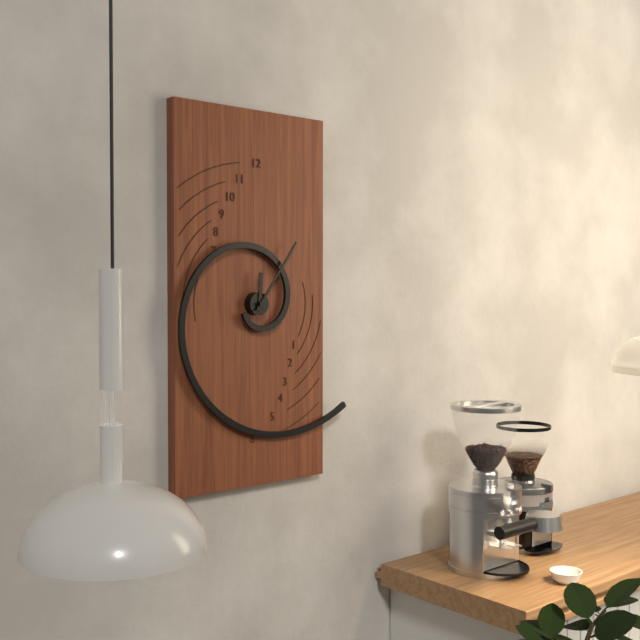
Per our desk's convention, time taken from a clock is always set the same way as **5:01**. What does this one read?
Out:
**12:06**
